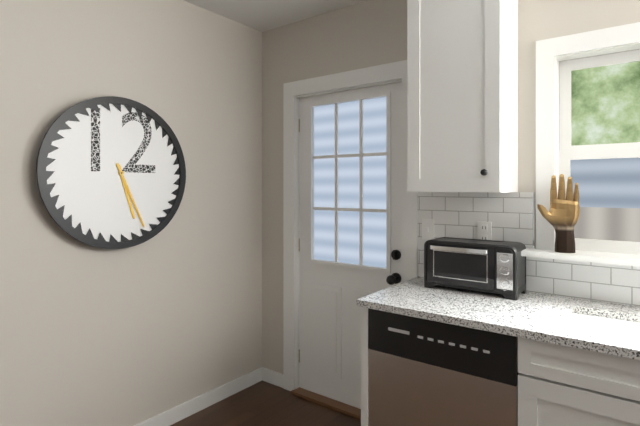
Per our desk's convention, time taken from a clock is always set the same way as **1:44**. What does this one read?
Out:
**5:26**
